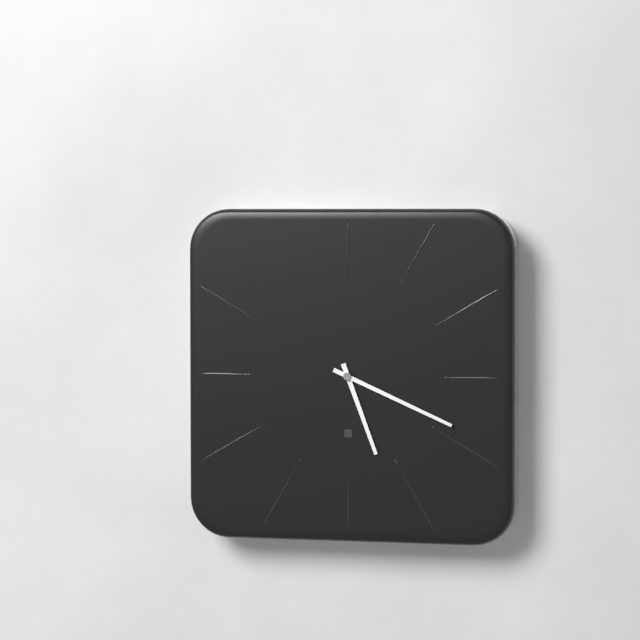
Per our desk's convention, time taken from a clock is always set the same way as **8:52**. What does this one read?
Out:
**5:19**
